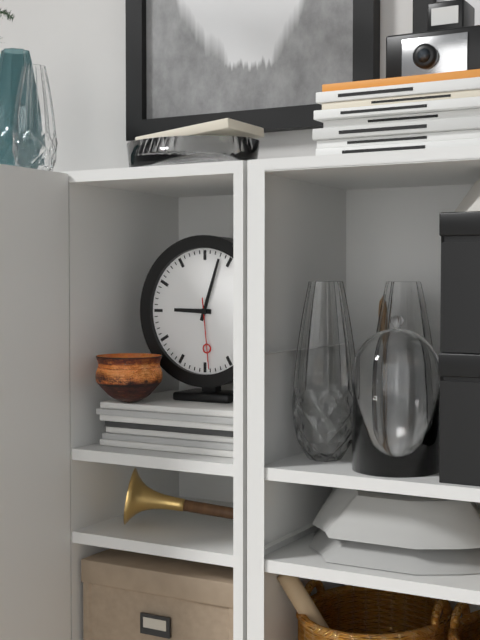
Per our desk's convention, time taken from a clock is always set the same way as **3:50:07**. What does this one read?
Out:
**9:03:29**
